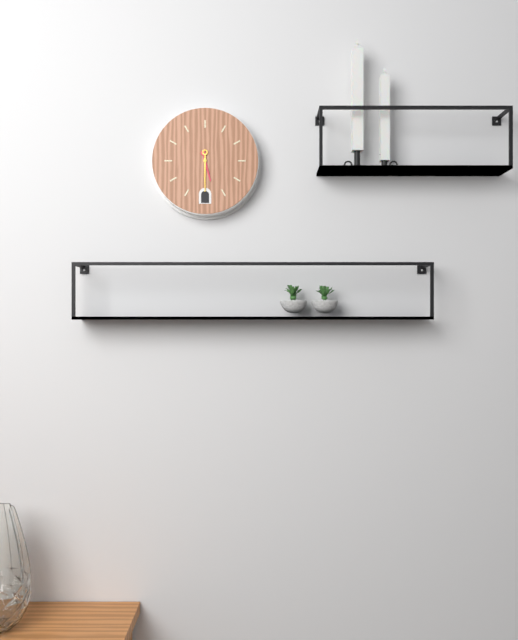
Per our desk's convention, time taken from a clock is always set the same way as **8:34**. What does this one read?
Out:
**5:30**
